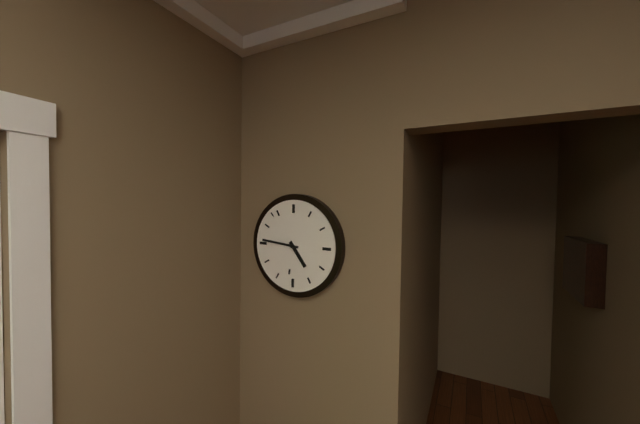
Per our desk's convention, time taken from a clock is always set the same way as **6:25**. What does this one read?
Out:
**4:46**
